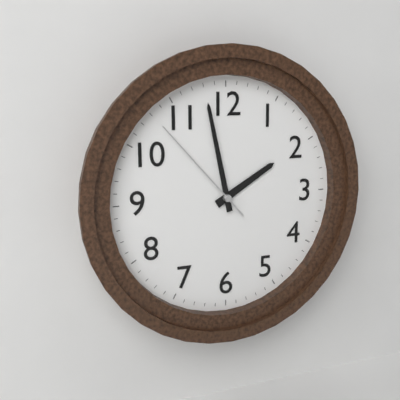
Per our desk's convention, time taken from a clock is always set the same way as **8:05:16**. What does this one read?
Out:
**1:58:53**
